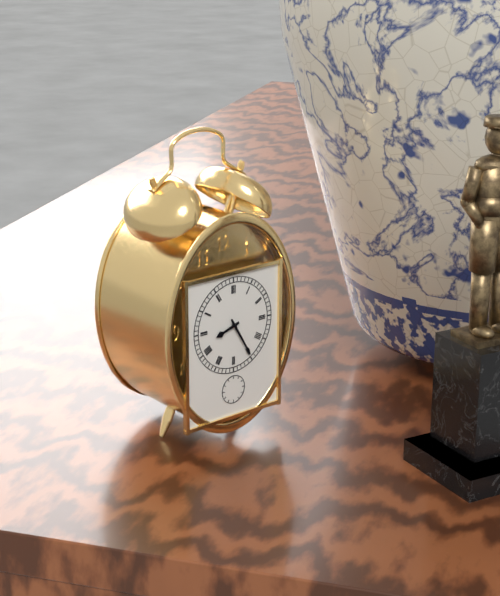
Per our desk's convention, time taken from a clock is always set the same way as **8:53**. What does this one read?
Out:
**8:25**
